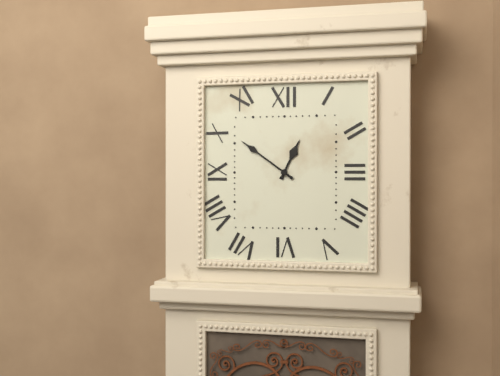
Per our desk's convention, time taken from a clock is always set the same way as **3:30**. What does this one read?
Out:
**12:51**
